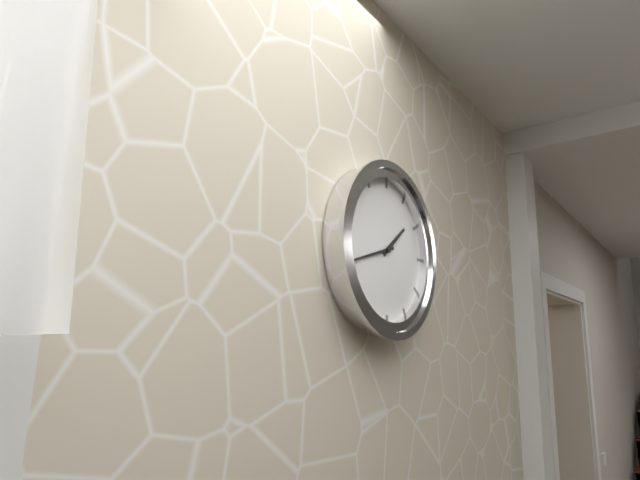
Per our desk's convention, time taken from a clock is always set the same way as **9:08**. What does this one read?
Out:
**1:42**
